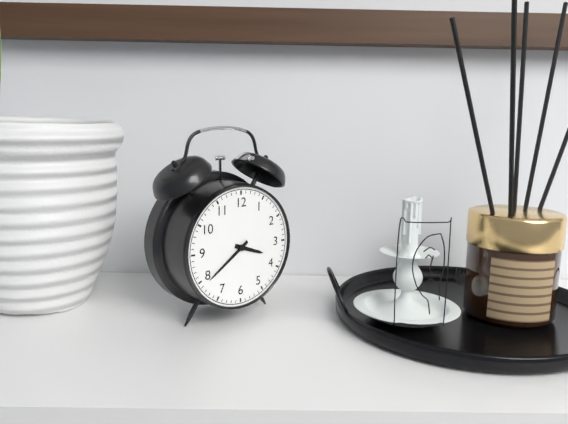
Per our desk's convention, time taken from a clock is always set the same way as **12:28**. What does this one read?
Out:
**3:39**
